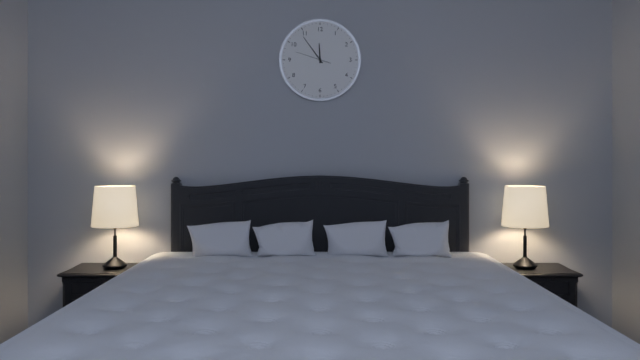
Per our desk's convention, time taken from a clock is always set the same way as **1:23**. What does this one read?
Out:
**11:54**
